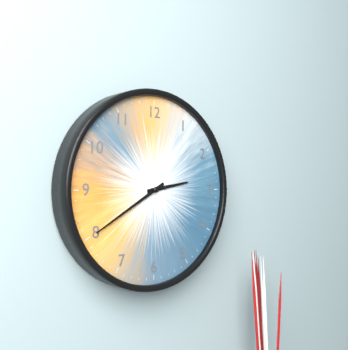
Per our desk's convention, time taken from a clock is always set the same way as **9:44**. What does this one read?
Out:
**2:40**
